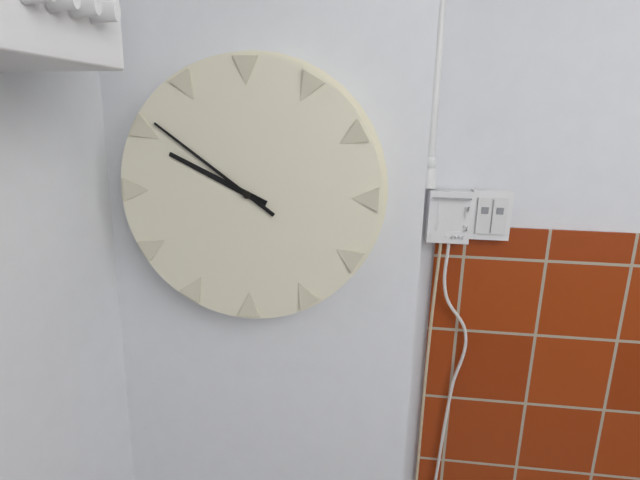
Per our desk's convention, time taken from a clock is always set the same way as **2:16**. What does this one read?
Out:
**9:51**
